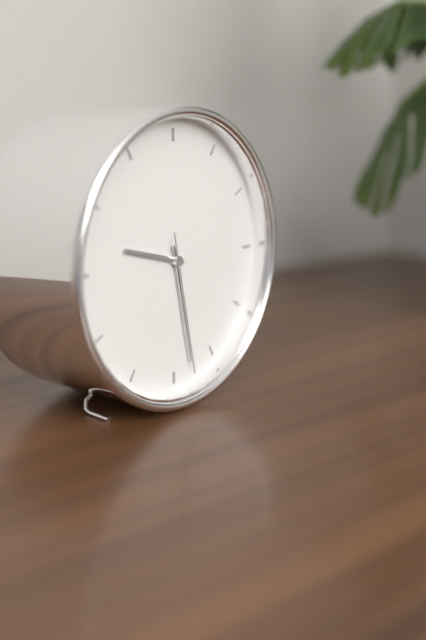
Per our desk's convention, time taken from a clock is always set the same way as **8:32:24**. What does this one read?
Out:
**9:28:28**
